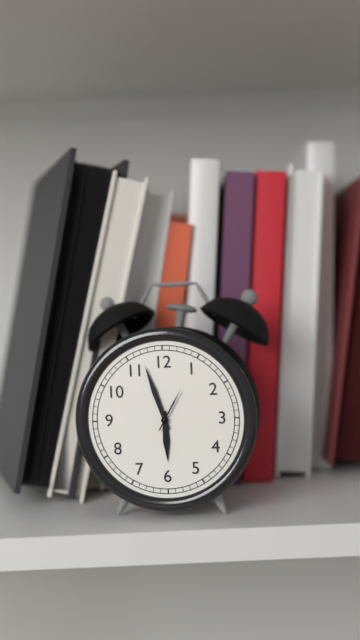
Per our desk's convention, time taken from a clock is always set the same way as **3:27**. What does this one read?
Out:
**5:57**
